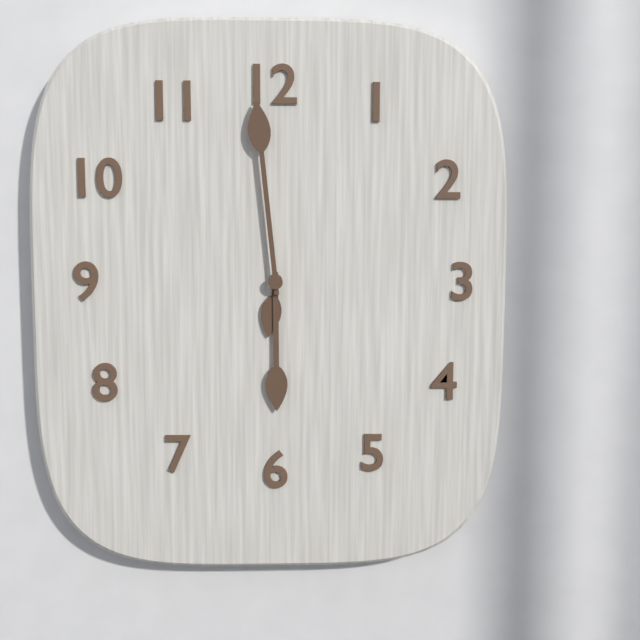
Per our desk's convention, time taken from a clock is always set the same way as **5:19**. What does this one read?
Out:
**5:59**
